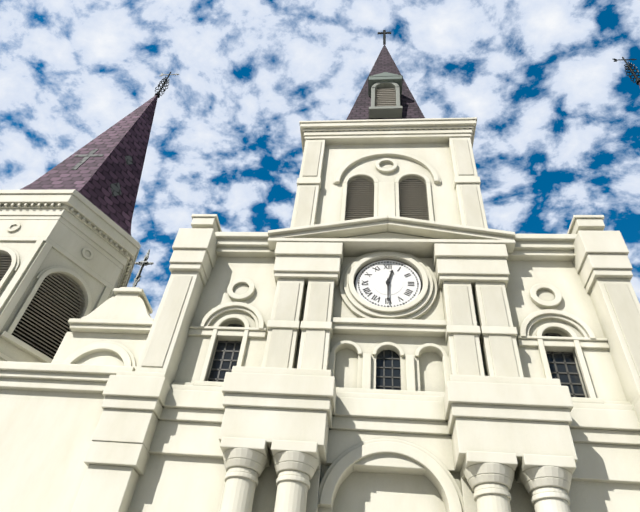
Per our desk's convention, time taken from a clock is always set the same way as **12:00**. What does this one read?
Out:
**12:30**
